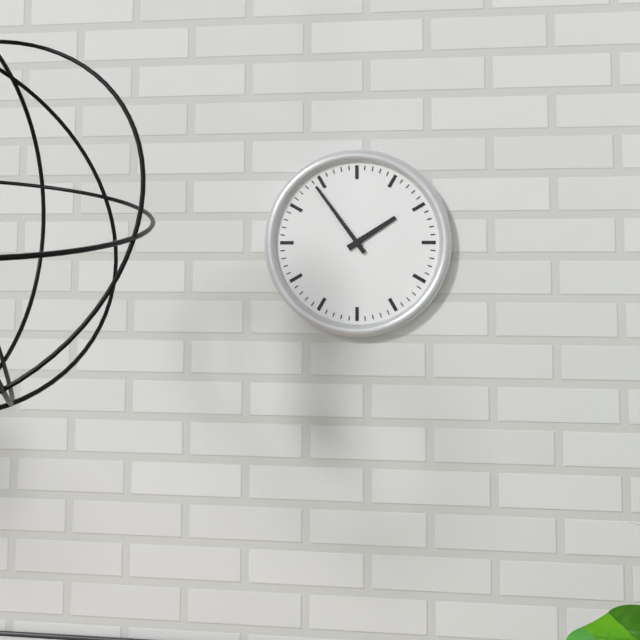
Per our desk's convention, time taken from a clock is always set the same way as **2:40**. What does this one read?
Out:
**1:54**
